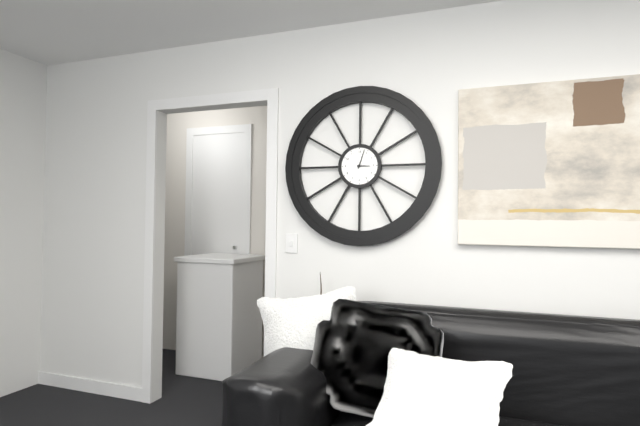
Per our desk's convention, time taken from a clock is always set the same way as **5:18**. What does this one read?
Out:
**3:03**
